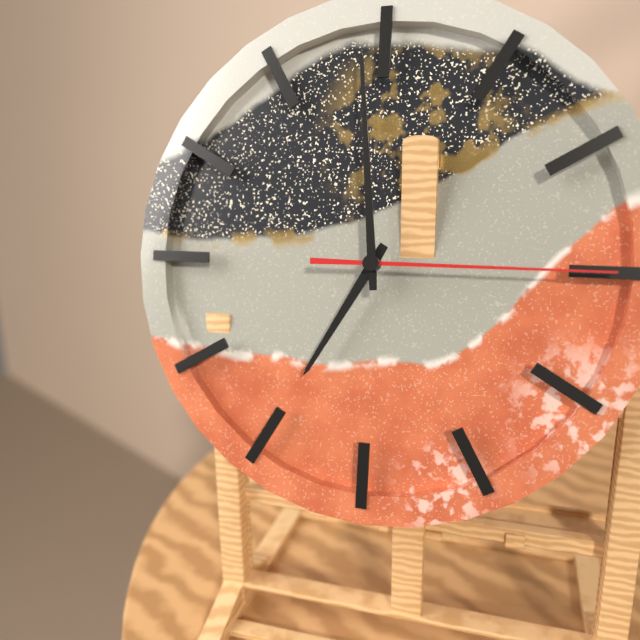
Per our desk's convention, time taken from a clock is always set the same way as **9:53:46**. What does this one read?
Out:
**6:59:15**
